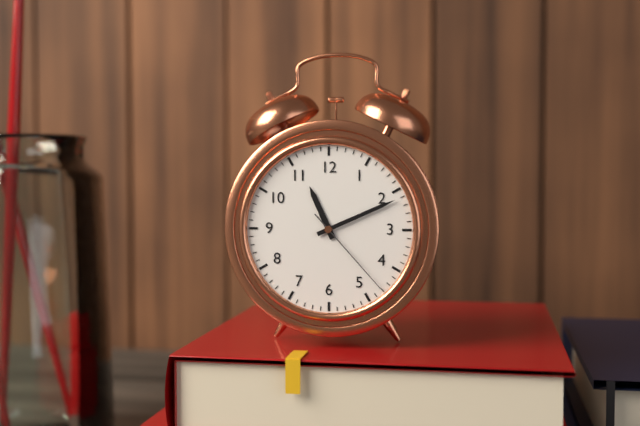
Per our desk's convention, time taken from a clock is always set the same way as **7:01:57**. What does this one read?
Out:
**11:11:23**
